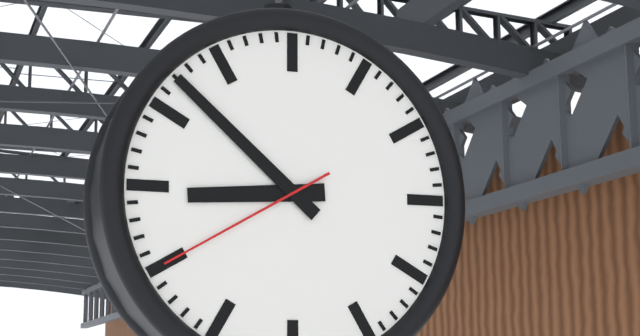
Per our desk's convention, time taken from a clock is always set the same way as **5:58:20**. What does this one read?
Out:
**8:52:40**
